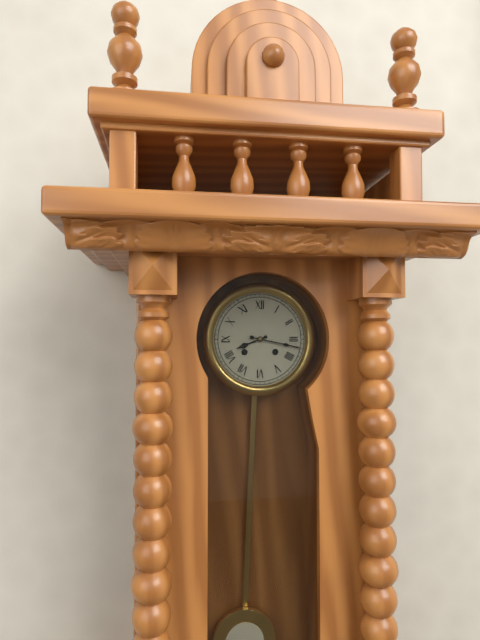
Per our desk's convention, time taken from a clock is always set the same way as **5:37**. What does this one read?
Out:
**8:17**
